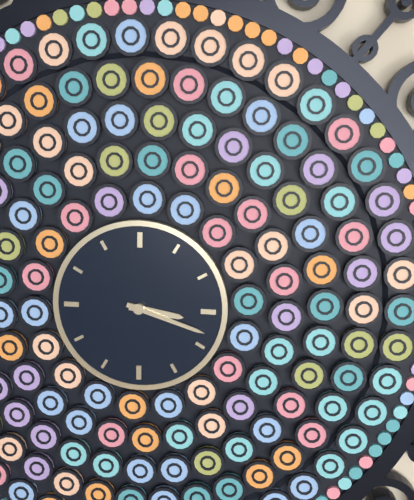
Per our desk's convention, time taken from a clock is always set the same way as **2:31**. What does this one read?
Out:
**3:18**
